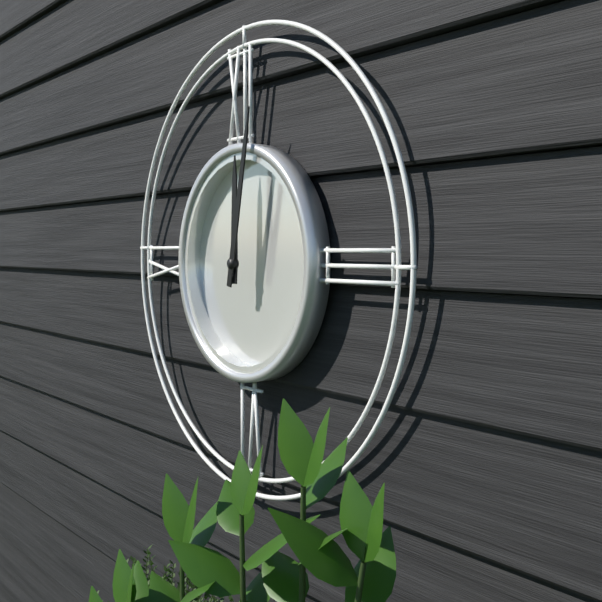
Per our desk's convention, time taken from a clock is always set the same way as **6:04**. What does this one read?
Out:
**12:02**
